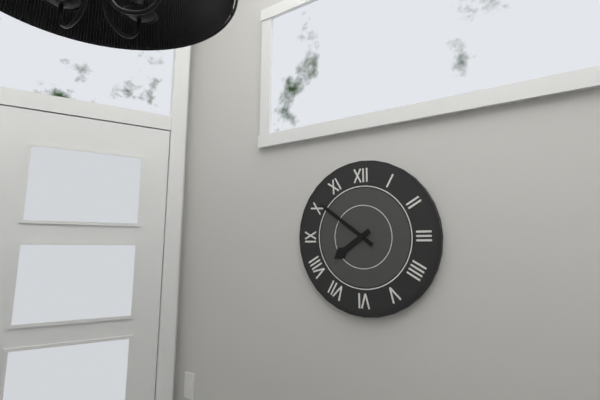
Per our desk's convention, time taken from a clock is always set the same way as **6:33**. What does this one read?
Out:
**7:51**
